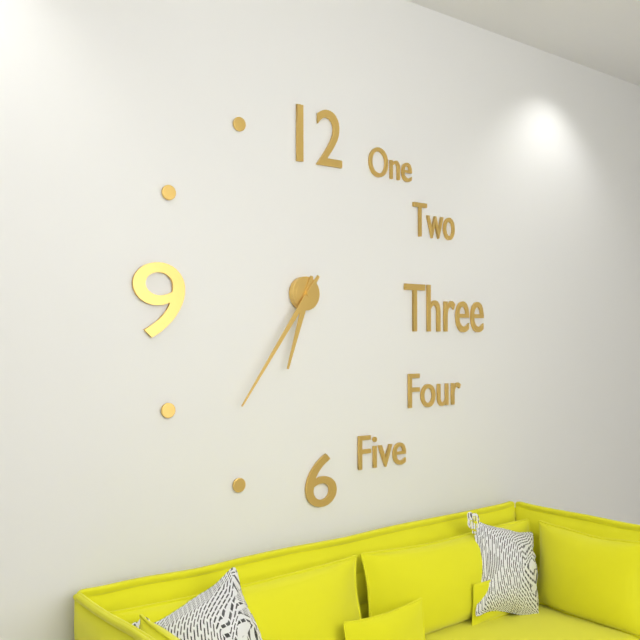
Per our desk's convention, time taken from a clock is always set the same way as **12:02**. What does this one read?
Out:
**6:36**
